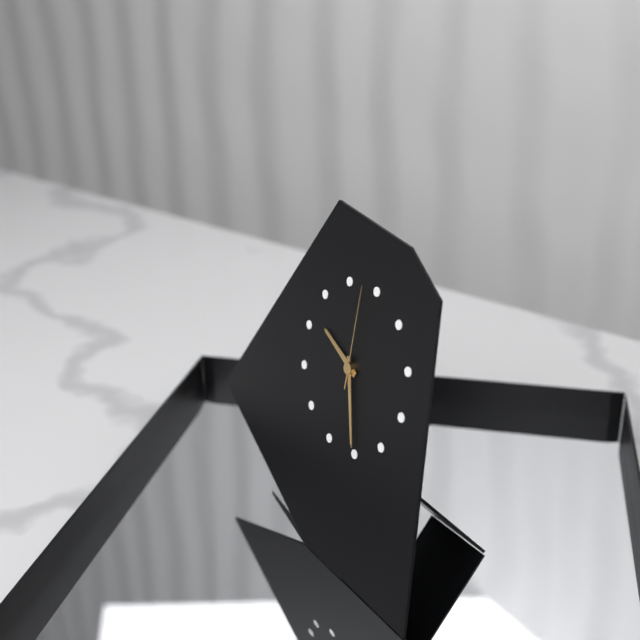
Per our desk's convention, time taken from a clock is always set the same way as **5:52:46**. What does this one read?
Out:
**9:25:58**
